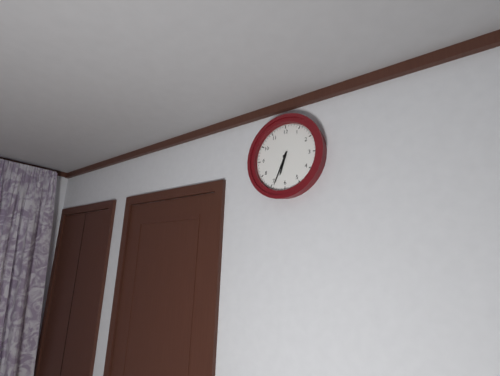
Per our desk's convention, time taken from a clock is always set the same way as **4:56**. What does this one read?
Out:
**6:34**
